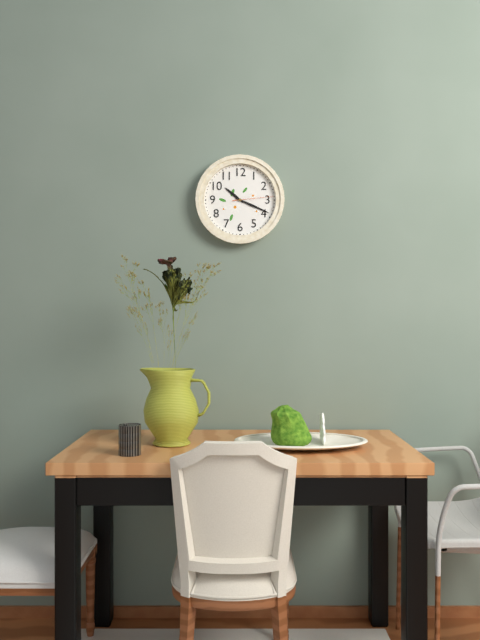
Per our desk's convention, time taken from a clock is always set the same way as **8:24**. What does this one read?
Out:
**10:19**
